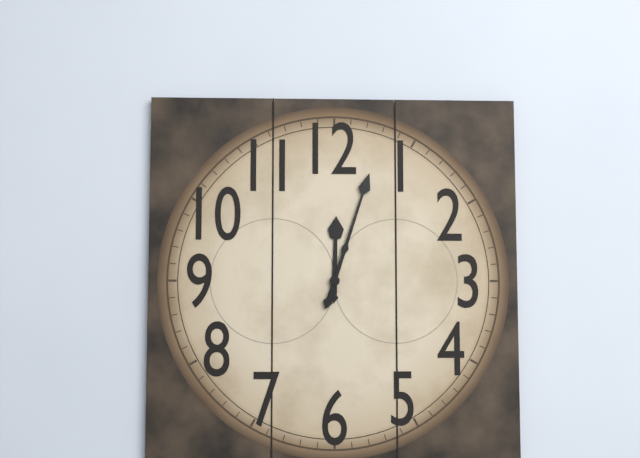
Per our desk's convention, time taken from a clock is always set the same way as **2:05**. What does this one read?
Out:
**12:03**
